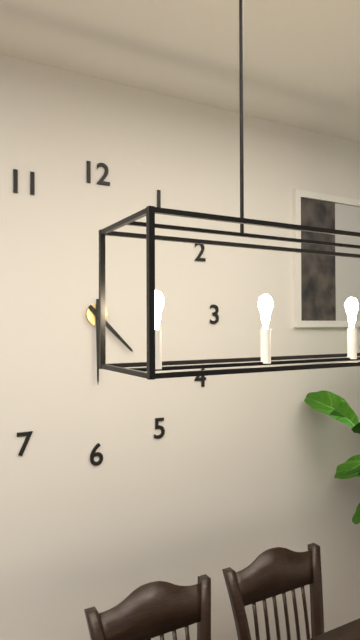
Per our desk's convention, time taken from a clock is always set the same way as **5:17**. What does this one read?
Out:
**4:30**
